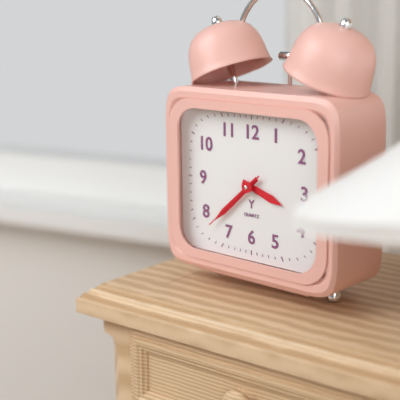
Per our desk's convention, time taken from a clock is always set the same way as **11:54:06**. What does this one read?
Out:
**3:38:38**
